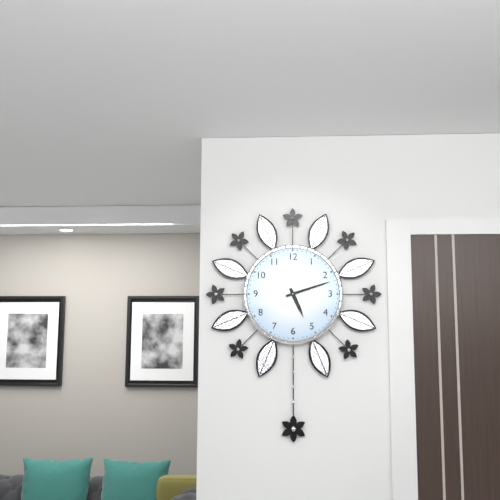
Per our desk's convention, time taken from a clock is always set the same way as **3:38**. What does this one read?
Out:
**5:12**
